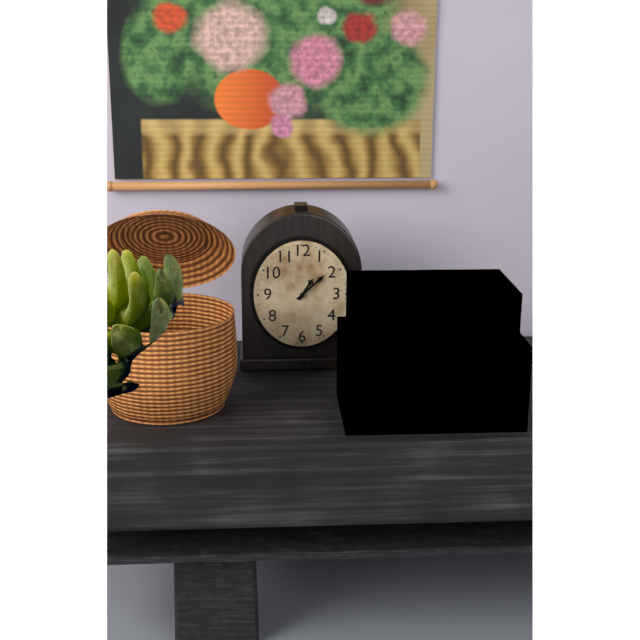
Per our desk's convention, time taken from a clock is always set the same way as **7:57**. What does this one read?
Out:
**1:08**
